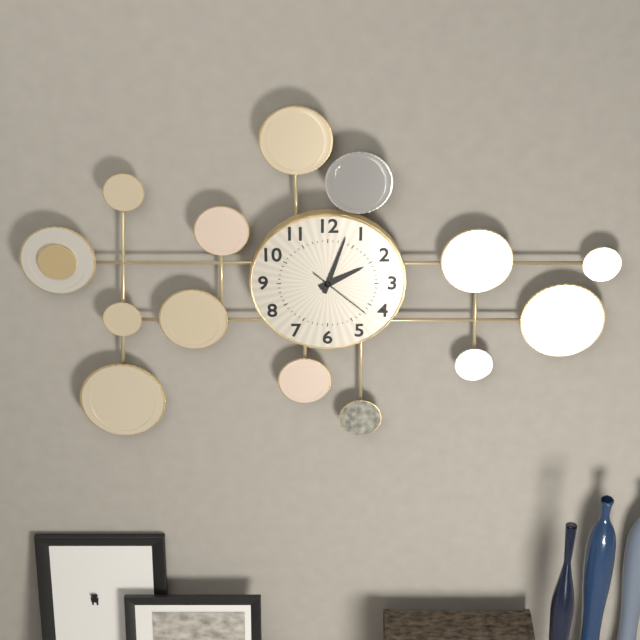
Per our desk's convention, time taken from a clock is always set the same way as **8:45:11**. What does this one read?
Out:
**2:03:22**
